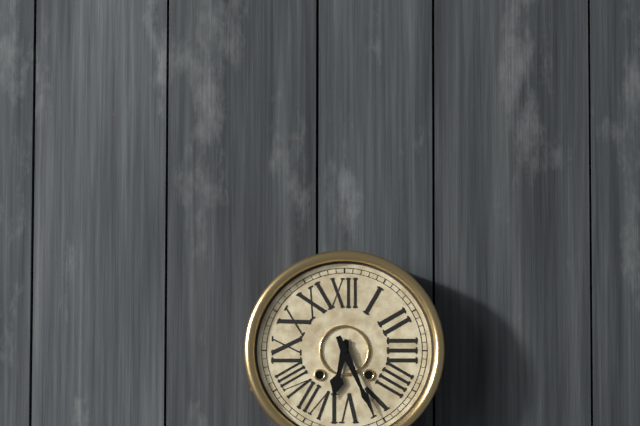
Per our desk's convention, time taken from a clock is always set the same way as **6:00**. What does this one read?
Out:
**6:26**
